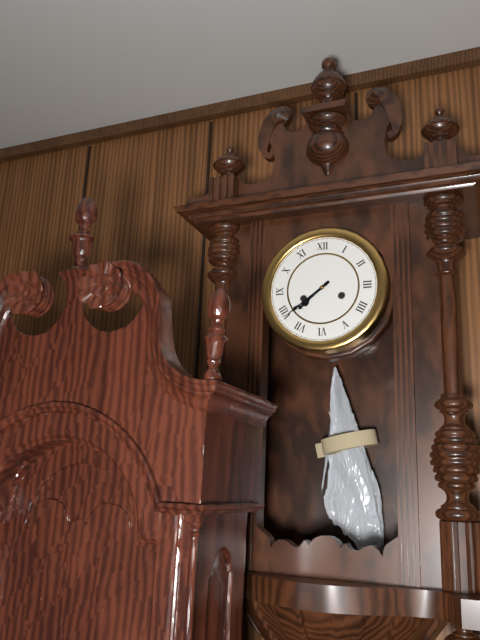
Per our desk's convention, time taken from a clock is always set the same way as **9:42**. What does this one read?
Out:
**7:39**
